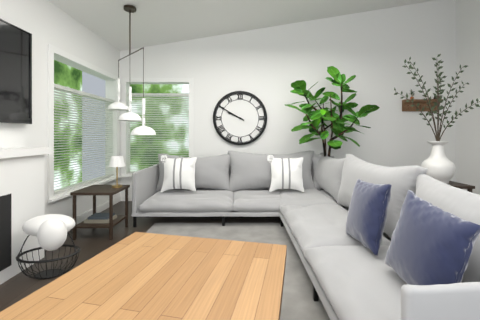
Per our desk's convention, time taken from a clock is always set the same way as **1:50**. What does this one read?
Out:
**9:50**
